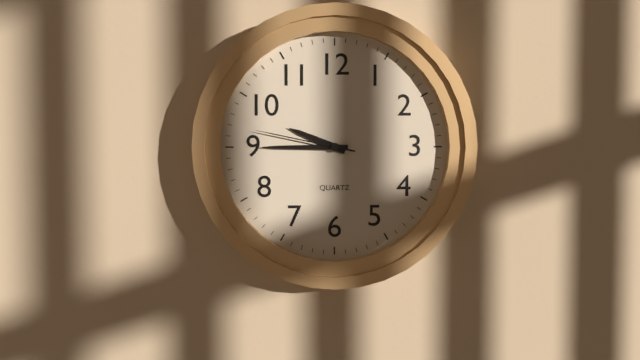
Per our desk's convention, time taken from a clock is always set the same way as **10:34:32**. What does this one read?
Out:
**9:45:47**
